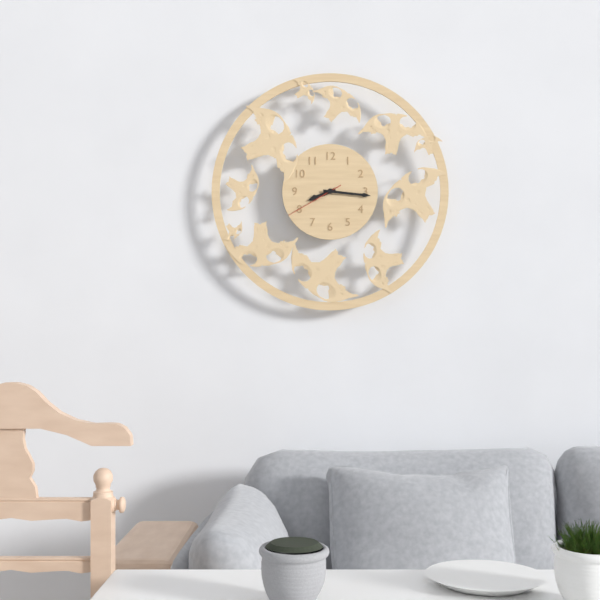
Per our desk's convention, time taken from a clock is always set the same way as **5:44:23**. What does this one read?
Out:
**8:16:40**
